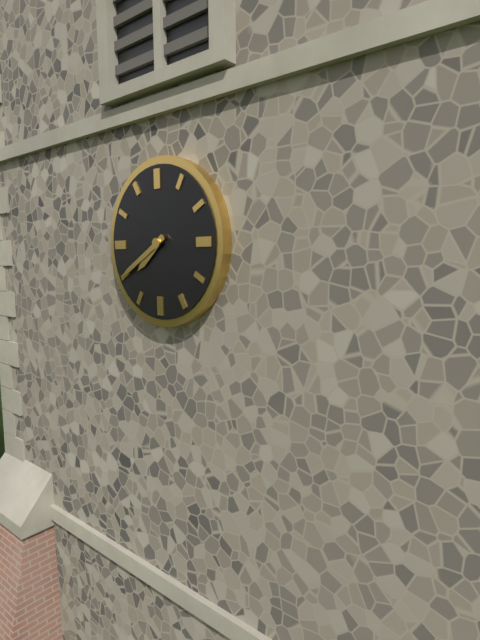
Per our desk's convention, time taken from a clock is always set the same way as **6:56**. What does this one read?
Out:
**7:40**
